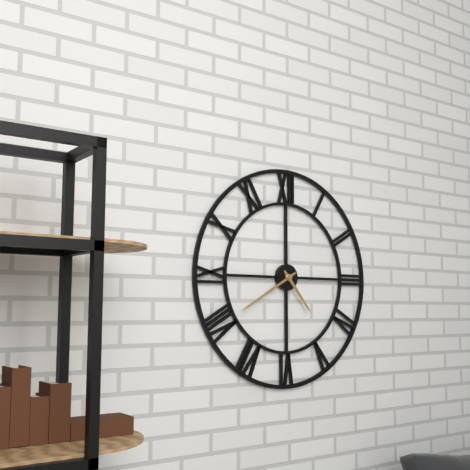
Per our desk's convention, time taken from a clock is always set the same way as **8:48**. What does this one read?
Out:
**4:40**
